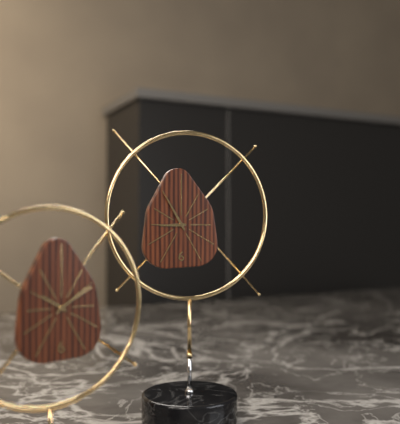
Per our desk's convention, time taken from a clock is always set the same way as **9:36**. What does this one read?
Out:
**8:55**
